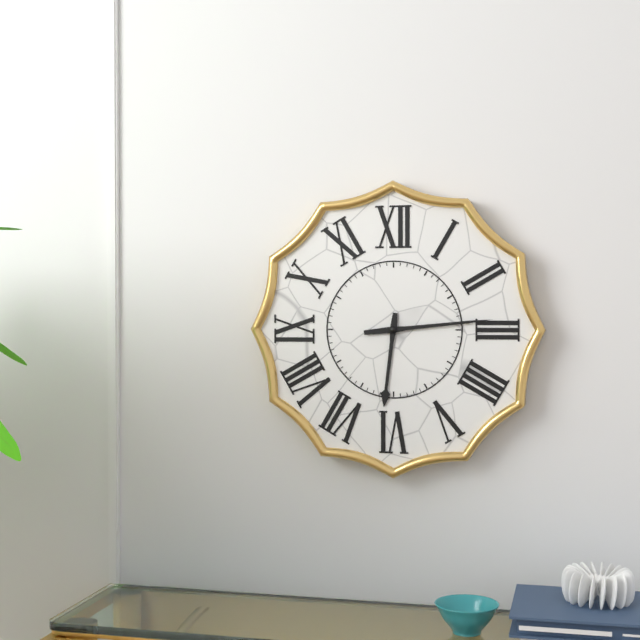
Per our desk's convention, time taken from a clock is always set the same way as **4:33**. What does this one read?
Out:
**6:14**
